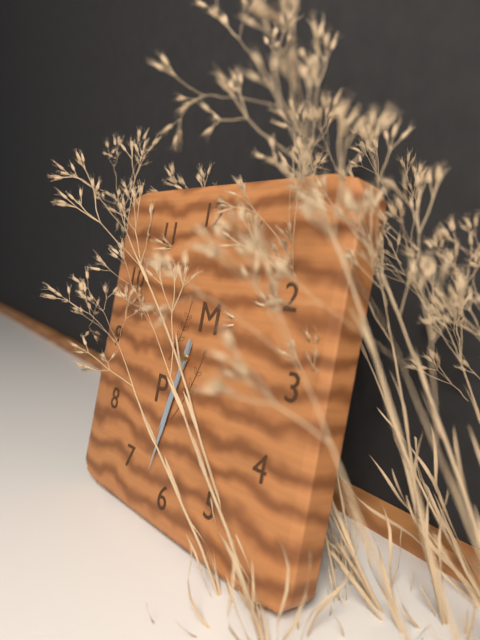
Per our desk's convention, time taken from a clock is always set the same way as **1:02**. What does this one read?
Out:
**6:32**
